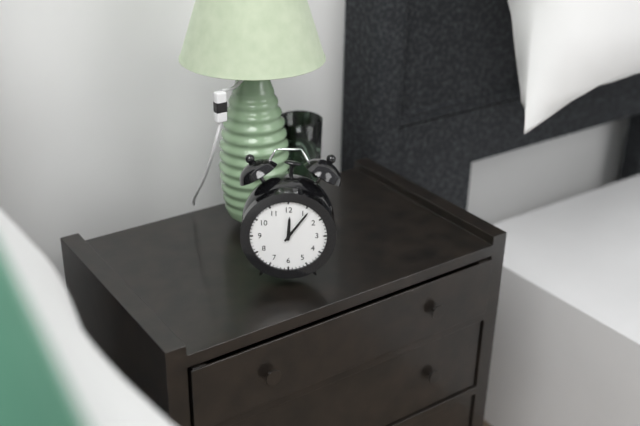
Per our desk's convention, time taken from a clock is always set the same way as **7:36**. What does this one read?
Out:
**12:06**
